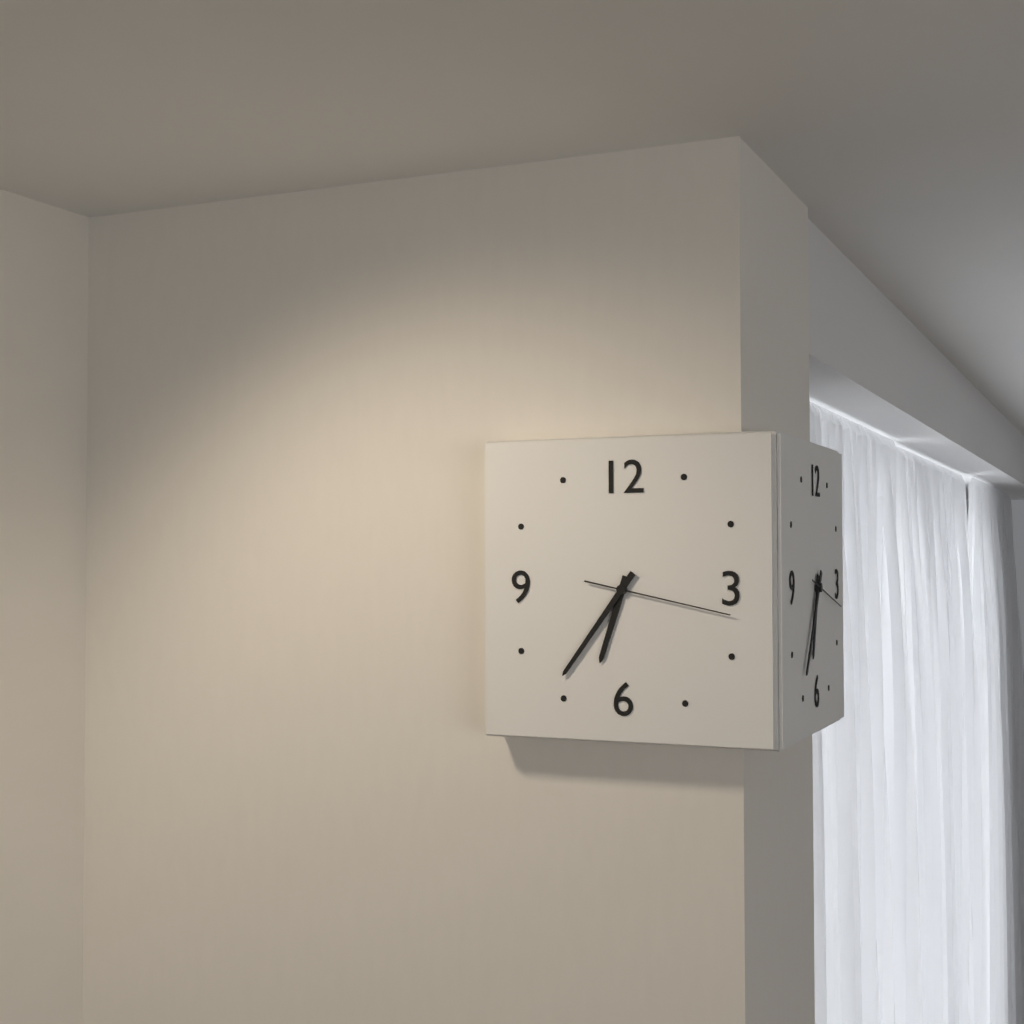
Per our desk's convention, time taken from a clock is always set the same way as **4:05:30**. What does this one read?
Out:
**6:36:17**
